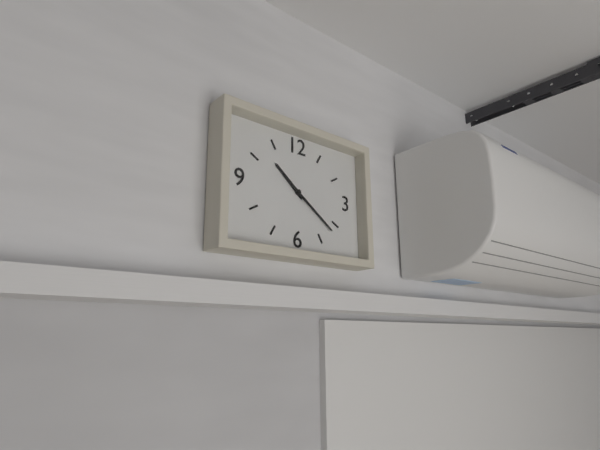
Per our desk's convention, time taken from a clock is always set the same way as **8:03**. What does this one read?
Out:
**10:21**
